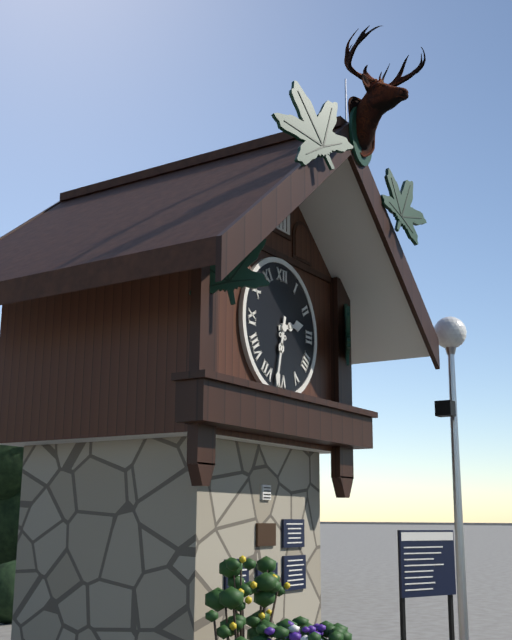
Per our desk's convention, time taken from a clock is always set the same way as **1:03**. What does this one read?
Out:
**2:32**
